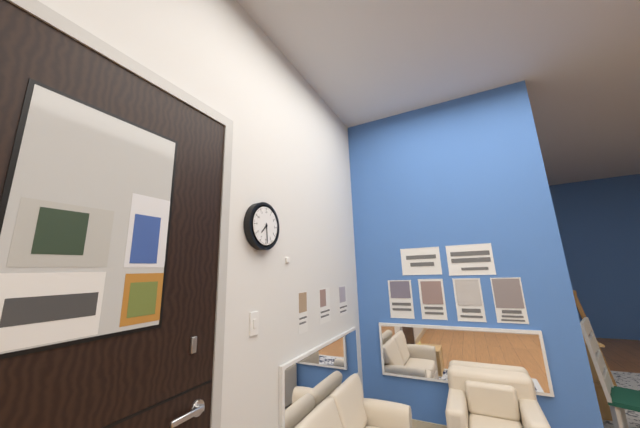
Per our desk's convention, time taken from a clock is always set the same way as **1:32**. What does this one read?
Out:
**7:29**
